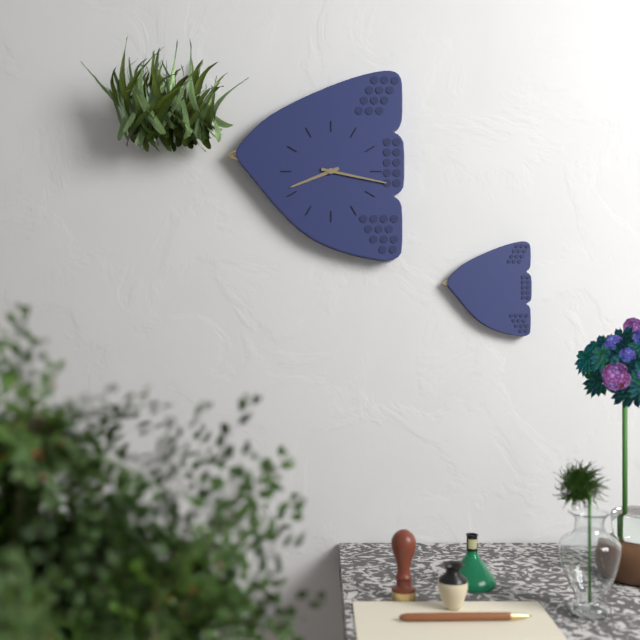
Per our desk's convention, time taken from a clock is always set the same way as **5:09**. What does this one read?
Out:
**8:17**
